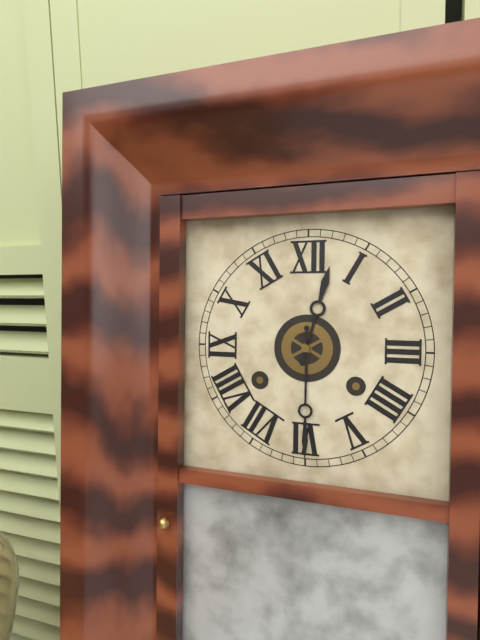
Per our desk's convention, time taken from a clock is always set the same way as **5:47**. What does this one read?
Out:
**12:30**
